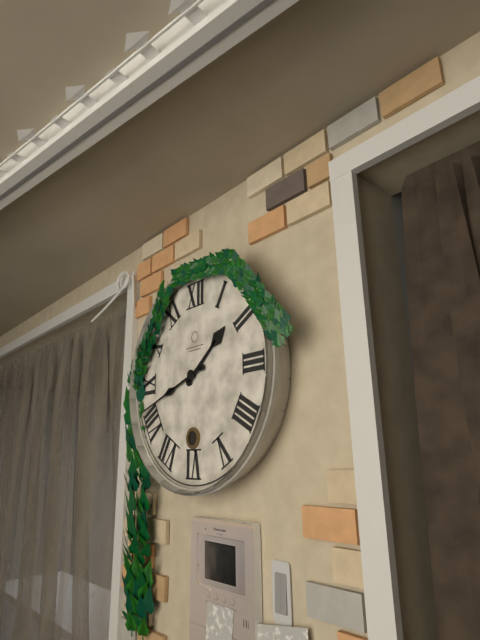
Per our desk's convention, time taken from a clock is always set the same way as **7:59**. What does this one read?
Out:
**1:42**
